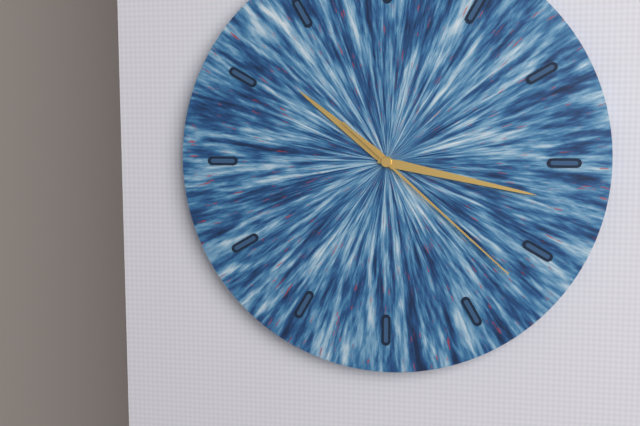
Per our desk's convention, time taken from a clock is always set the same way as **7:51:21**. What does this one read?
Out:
**10:17:22**
